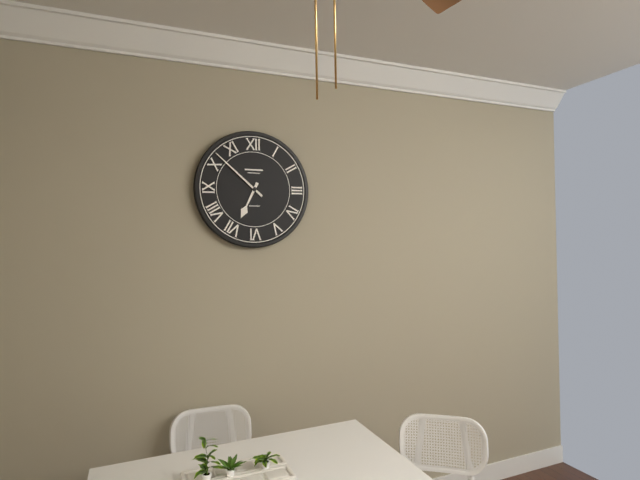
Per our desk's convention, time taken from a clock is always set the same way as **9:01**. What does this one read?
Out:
**6:52**
